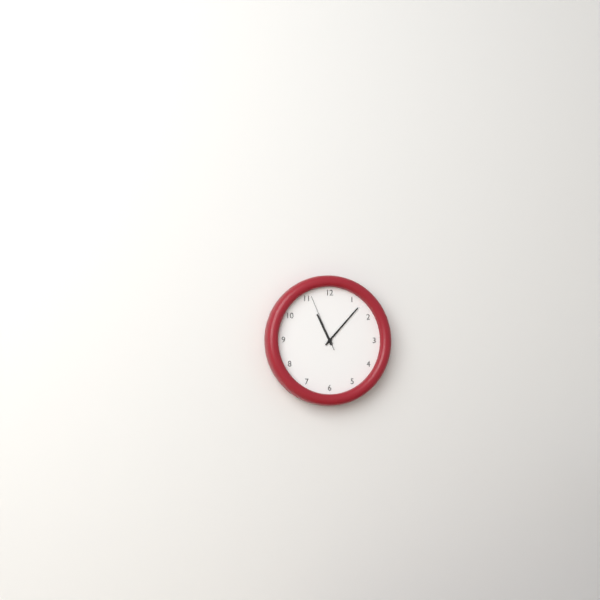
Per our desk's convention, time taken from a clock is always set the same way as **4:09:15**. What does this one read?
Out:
**11:07:56**
